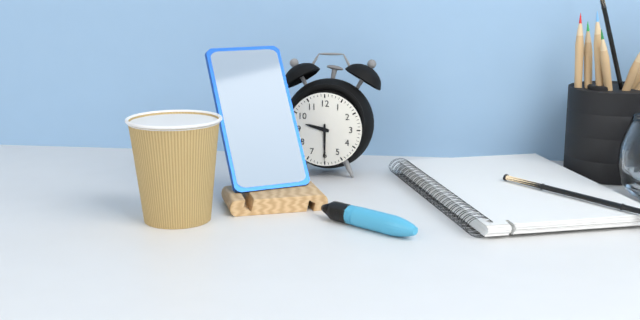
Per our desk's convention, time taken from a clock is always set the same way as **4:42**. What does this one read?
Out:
**9:30**
